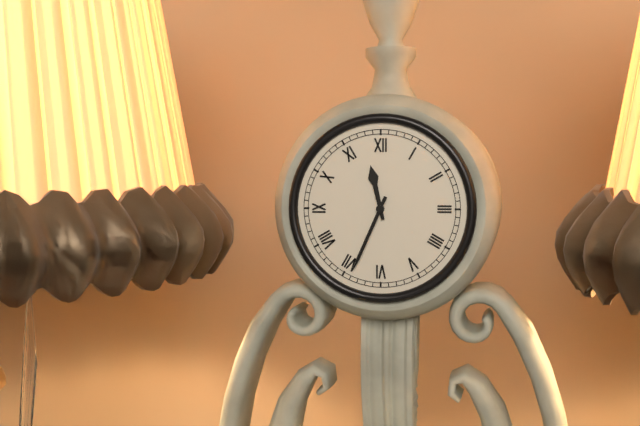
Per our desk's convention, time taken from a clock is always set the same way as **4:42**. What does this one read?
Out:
**11:34**
